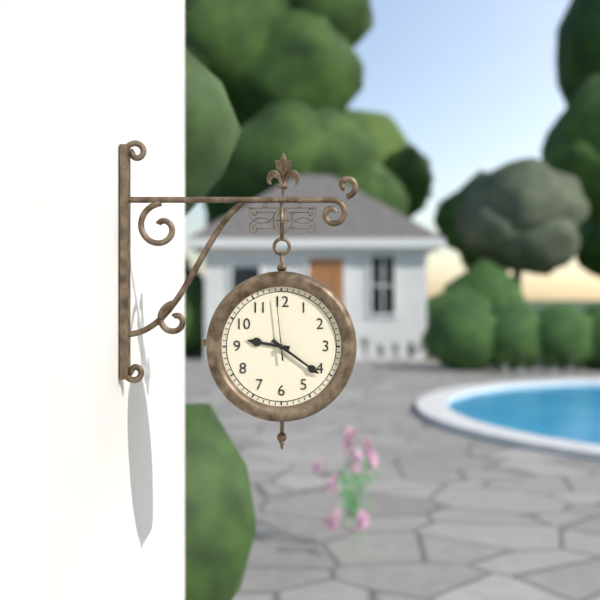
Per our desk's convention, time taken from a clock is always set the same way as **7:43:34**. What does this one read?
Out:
**9:21:59**
